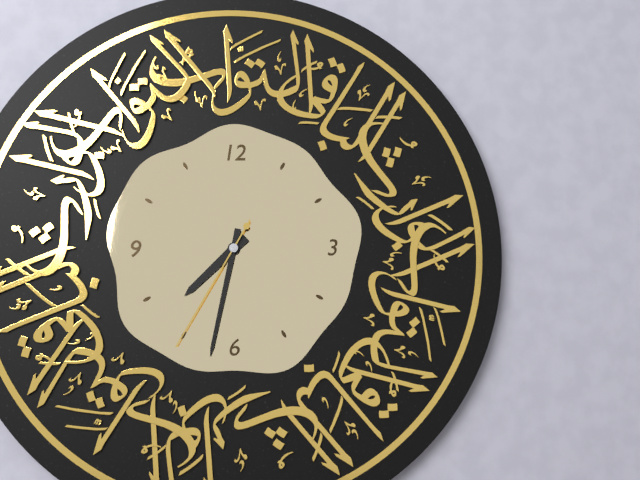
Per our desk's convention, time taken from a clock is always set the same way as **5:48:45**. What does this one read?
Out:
**7:32:35**
